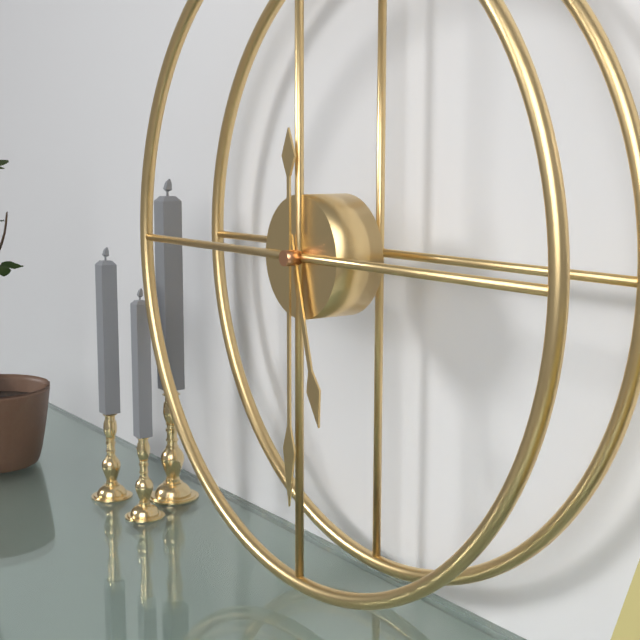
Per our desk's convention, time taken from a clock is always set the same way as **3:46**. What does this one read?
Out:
**5:30**
